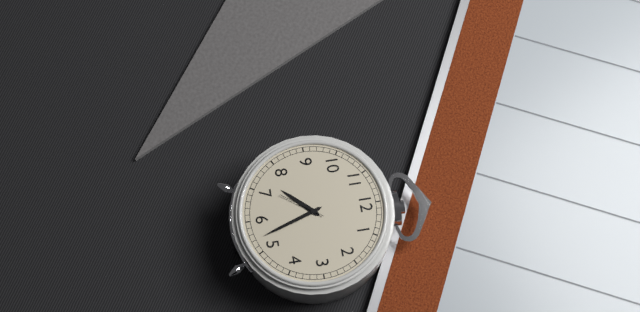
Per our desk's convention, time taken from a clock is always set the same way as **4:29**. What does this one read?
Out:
**7:27**
